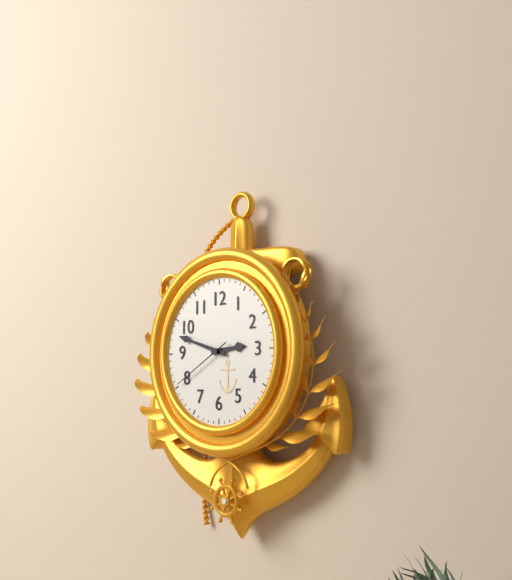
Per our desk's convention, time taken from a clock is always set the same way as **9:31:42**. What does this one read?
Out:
**2:48:40**
